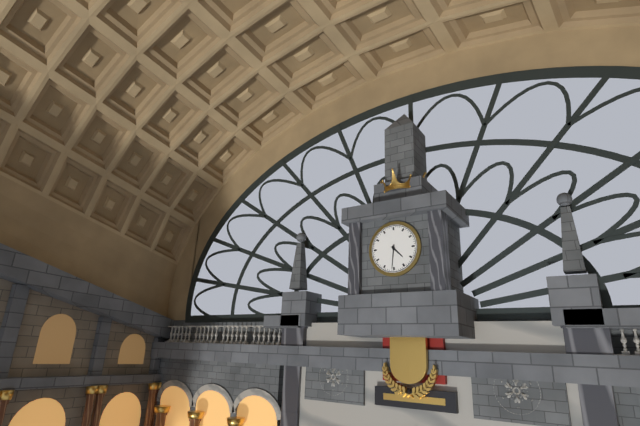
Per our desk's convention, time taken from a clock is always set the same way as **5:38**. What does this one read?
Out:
**4:31**
